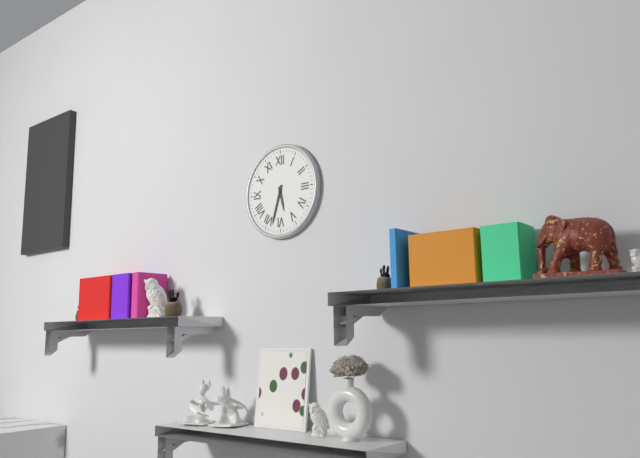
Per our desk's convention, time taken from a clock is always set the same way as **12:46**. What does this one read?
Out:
**5:33**
